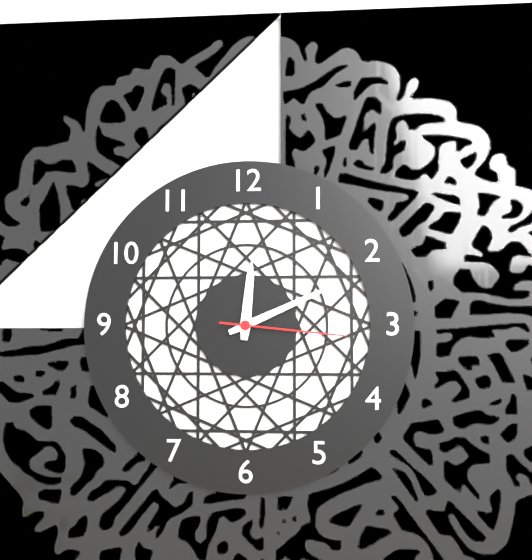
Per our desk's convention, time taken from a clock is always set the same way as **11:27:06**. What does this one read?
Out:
**12:11:16**
